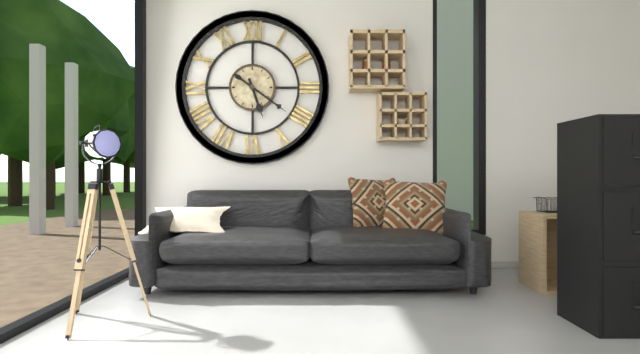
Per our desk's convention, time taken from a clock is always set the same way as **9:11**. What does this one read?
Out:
**5:21**
